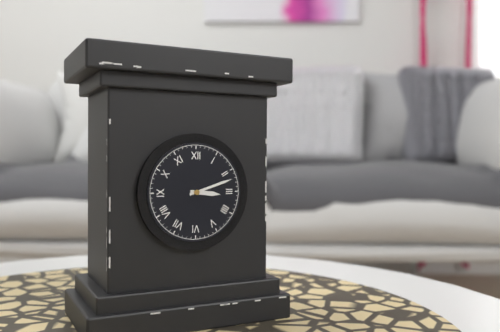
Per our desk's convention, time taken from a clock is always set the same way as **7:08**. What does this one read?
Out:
**3:12**
